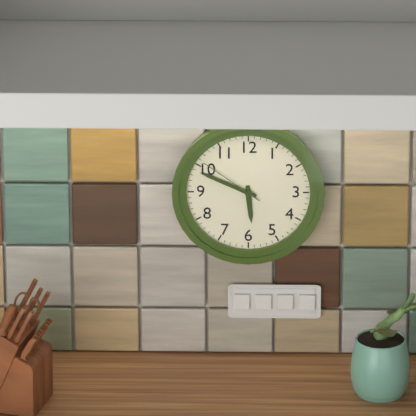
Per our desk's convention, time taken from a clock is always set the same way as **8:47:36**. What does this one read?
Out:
**5:49:51**
